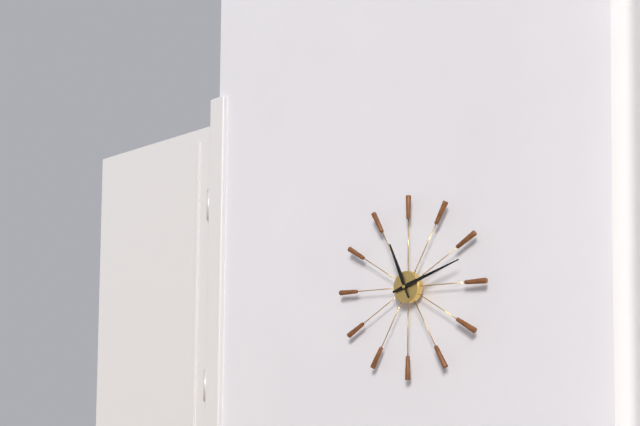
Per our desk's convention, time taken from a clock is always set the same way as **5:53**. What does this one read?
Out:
**11:12**
